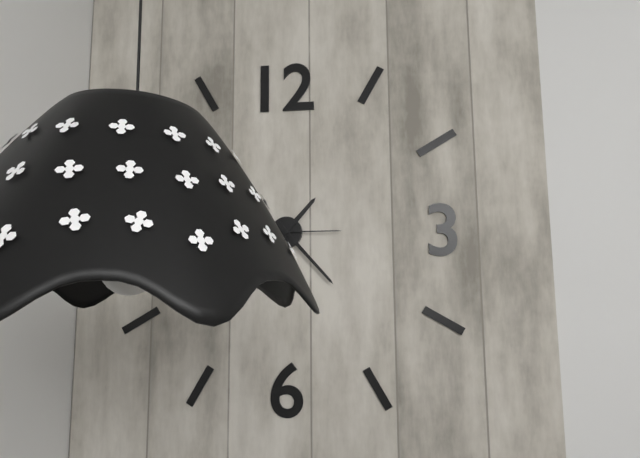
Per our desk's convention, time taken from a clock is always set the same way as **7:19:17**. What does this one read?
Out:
**1:23:15**
